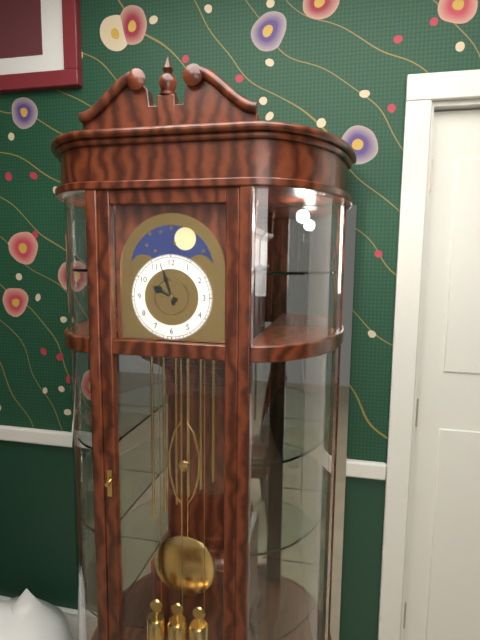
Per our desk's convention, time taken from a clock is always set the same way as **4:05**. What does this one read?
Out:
**9:57**
